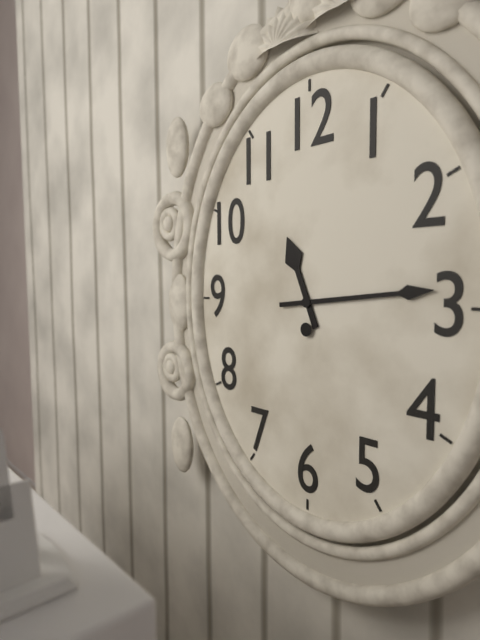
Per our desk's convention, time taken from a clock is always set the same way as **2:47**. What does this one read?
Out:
**11:14**
